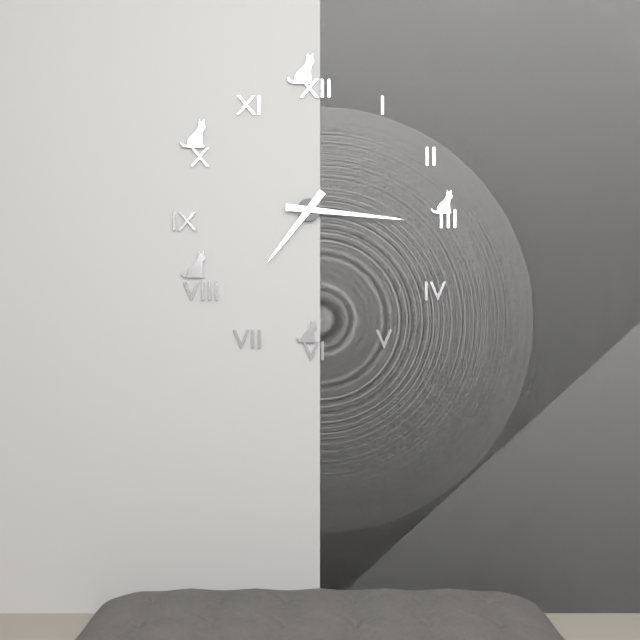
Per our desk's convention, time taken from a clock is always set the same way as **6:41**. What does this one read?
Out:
**7:16**
